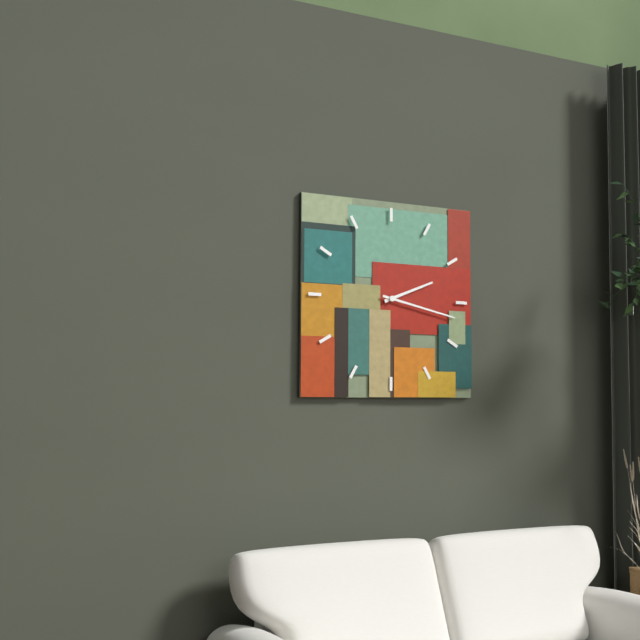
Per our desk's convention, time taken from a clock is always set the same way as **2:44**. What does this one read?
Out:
**2:17**
